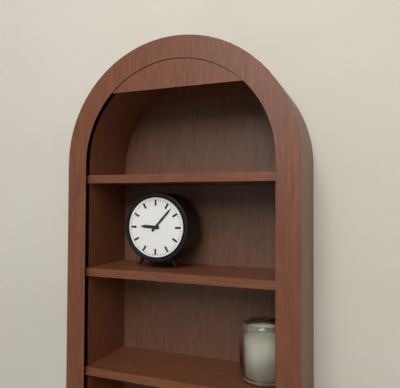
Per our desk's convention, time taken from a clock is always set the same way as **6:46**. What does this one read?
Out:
**9:07**
